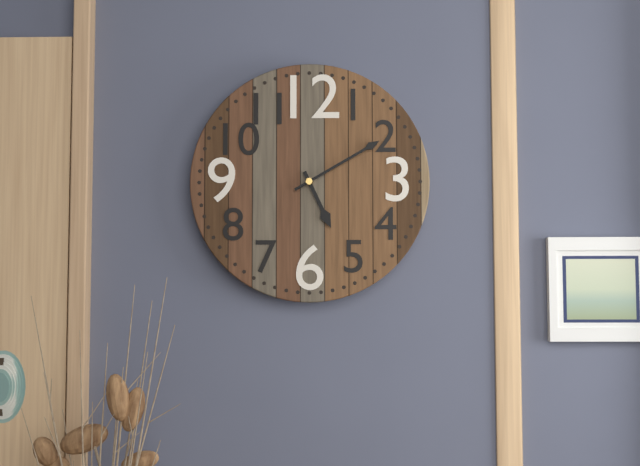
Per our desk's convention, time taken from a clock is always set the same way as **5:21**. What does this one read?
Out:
**5:10**
